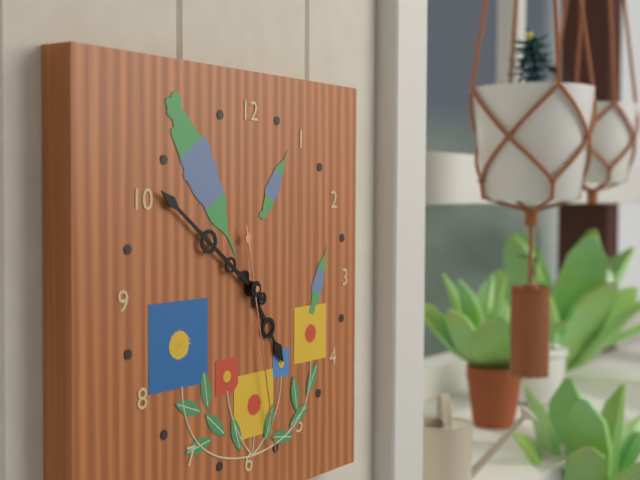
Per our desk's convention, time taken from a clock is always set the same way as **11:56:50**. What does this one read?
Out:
**4:51:28**
